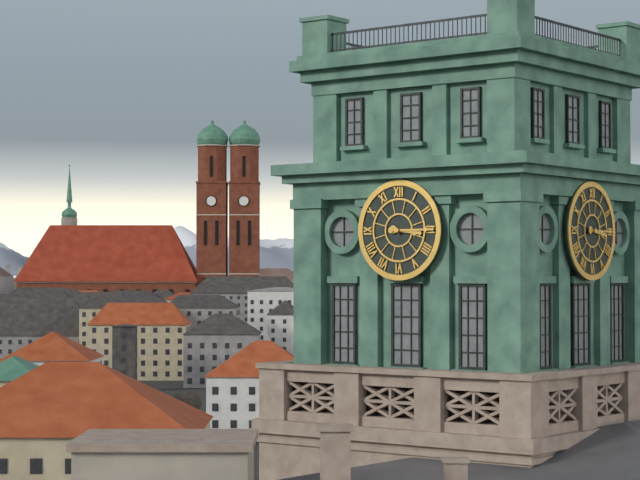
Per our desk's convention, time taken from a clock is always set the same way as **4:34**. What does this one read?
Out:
**3:15**
